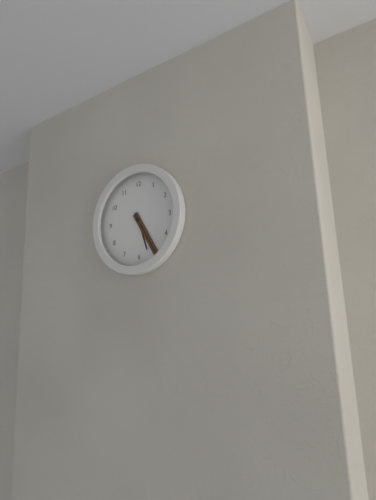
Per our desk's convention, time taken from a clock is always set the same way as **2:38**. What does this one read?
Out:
**5:25**
